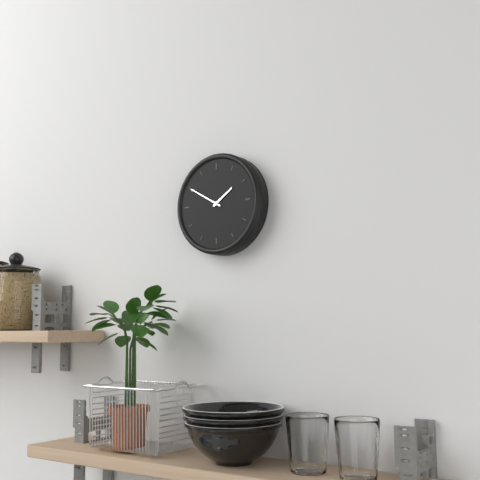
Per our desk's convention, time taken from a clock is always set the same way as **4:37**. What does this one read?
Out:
**1:50**
